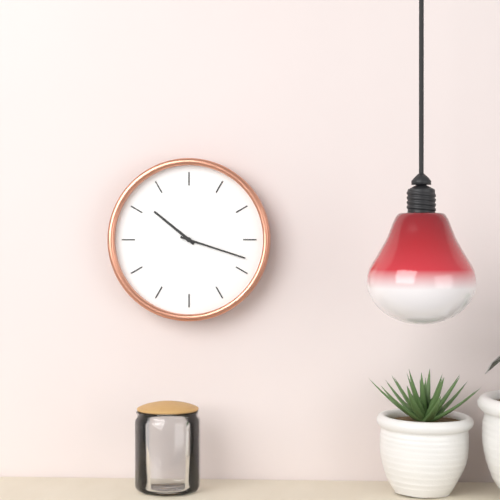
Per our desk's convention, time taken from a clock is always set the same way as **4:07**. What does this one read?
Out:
**10:18**
